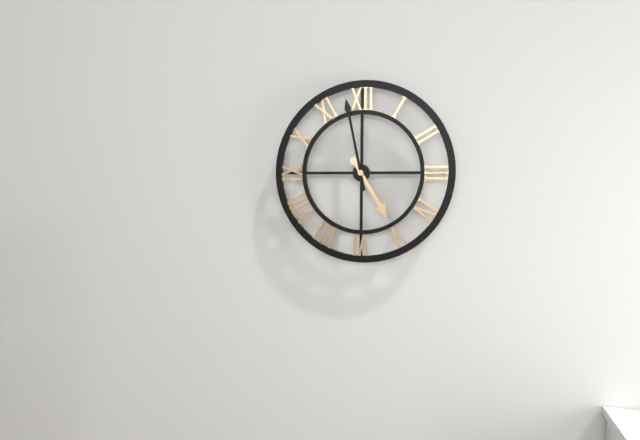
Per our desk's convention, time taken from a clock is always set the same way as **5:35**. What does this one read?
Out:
**4:58**
